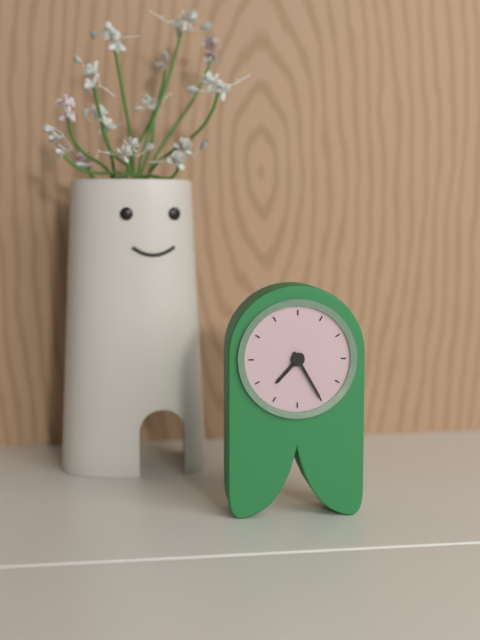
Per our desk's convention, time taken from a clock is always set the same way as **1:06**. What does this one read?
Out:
**7:25**
